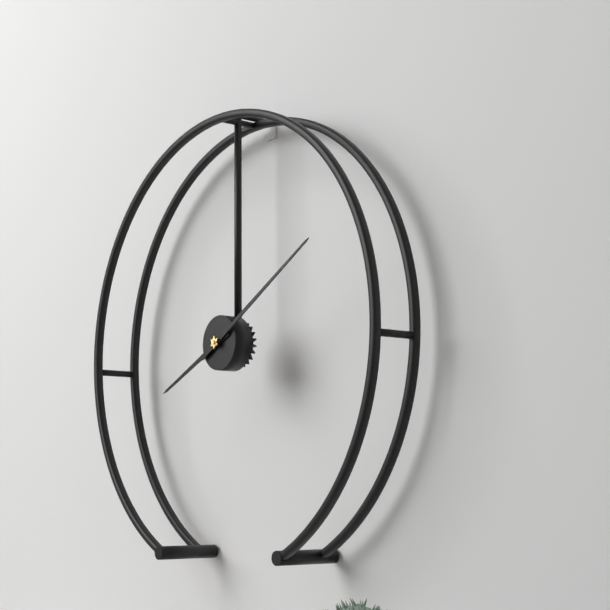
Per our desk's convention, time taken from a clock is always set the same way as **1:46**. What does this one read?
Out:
**8:10**
